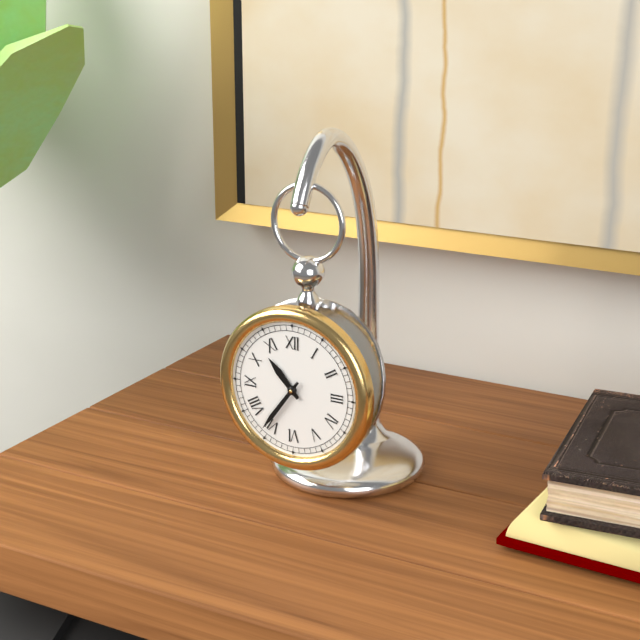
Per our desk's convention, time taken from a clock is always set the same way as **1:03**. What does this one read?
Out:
**10:36**
